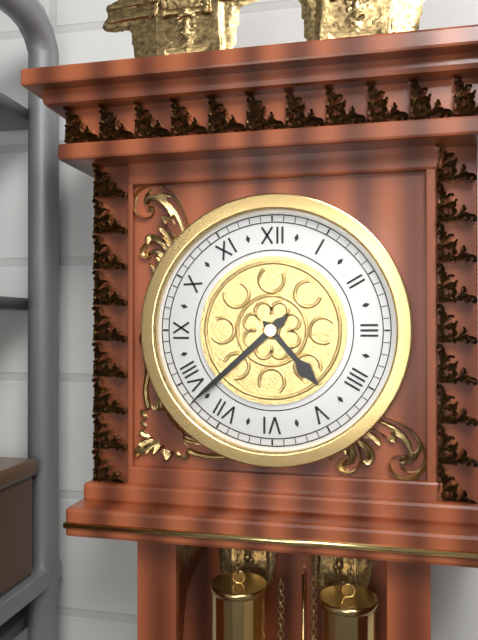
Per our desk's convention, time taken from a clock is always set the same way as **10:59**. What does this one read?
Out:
**4:38**
